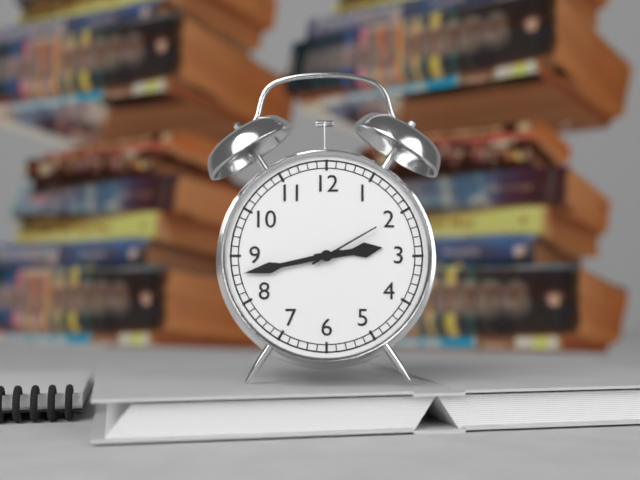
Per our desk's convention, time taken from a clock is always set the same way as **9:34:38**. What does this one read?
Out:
**2:43:10**
